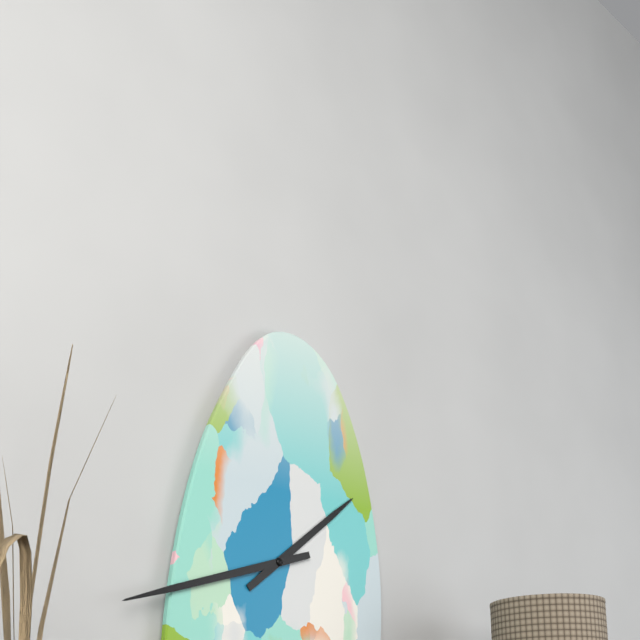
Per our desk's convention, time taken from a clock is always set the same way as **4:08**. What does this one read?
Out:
**1:42**
